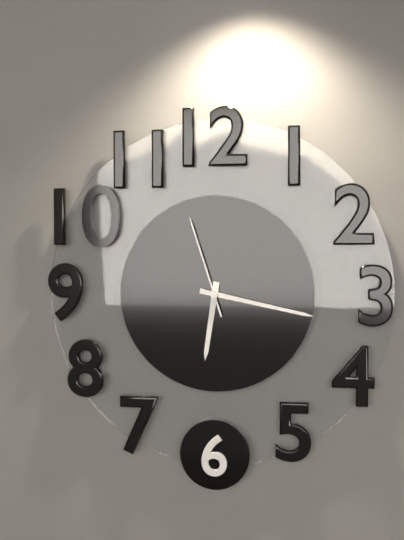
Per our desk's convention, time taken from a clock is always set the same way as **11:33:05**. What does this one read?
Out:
**6:17:57**
